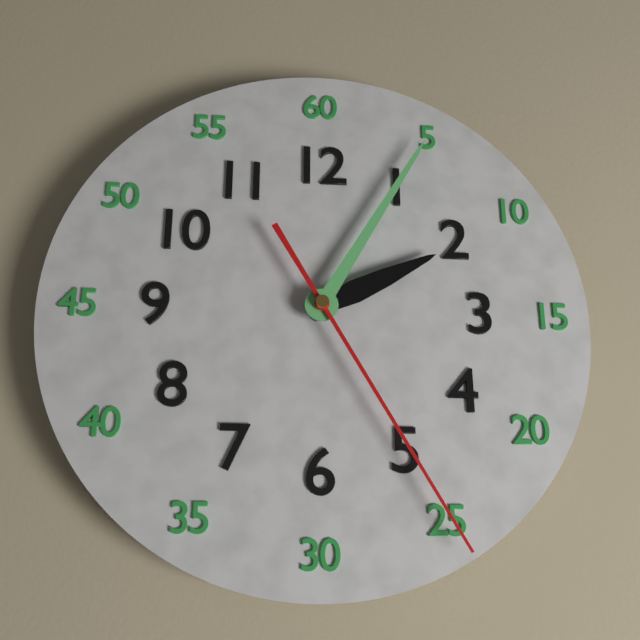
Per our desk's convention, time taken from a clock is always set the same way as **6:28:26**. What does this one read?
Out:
**2:05:25**
